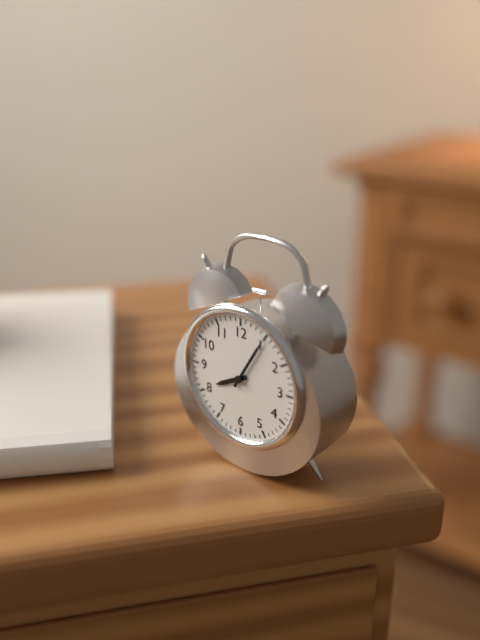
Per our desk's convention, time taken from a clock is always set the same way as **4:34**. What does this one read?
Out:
**8:05**
